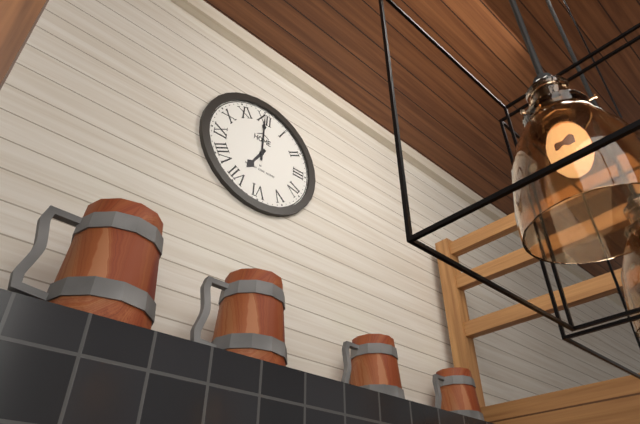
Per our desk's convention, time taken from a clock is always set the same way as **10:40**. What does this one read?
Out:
**7:00**
